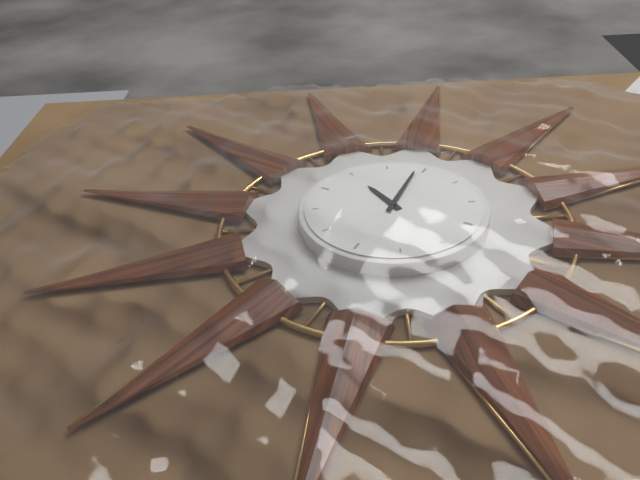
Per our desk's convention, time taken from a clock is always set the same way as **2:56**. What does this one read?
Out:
**9:59**
